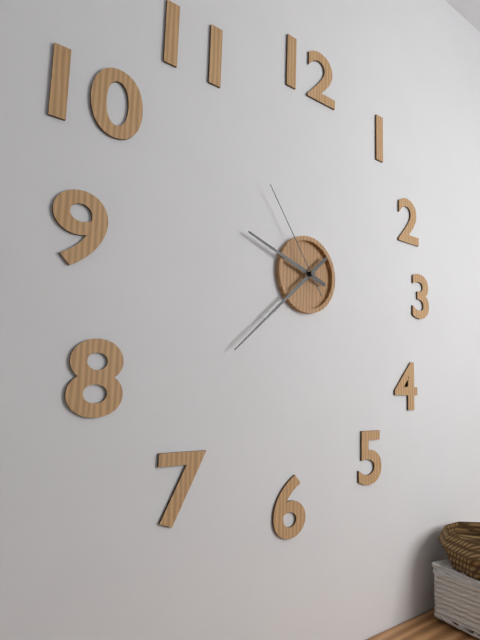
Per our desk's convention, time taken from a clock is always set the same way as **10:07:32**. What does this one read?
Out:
**9:38:54**
